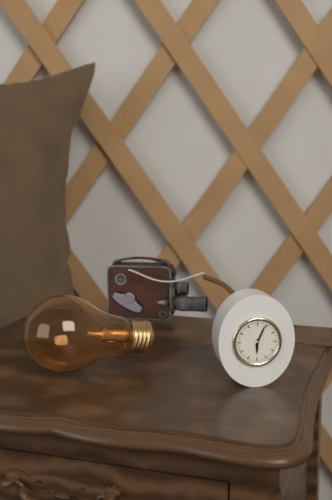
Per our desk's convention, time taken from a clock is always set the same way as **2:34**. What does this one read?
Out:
**6:04**
